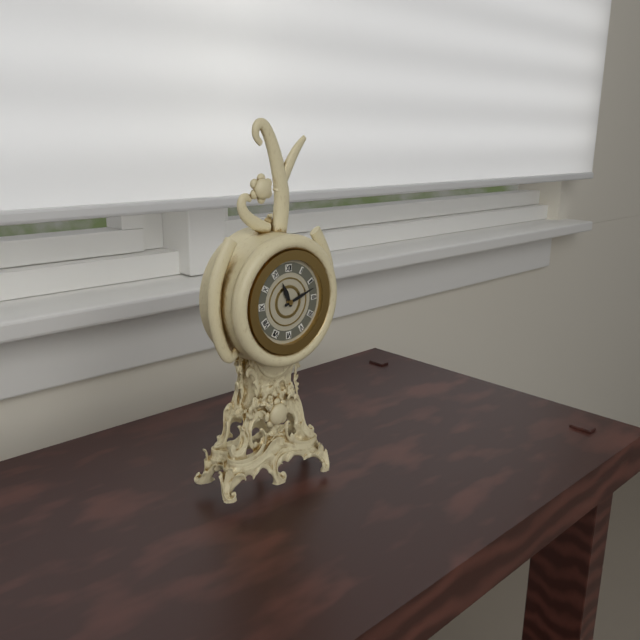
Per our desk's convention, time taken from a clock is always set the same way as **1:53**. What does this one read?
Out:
**11:12**
